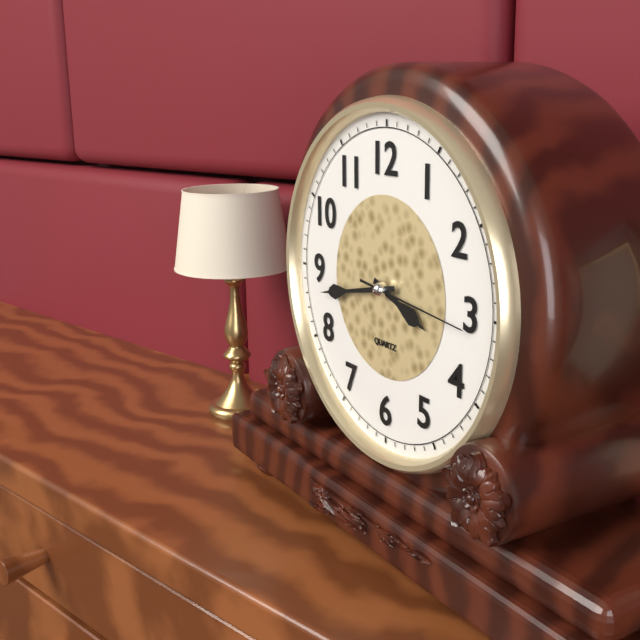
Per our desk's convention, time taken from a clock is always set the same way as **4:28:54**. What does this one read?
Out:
**3:43:16**
